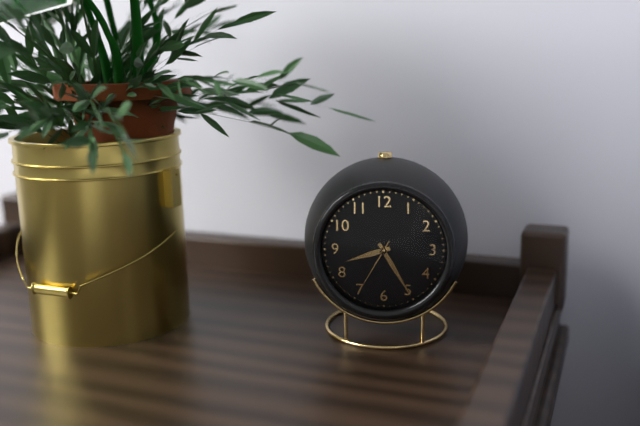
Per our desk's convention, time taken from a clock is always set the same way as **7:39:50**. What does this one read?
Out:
**8:25:35**
